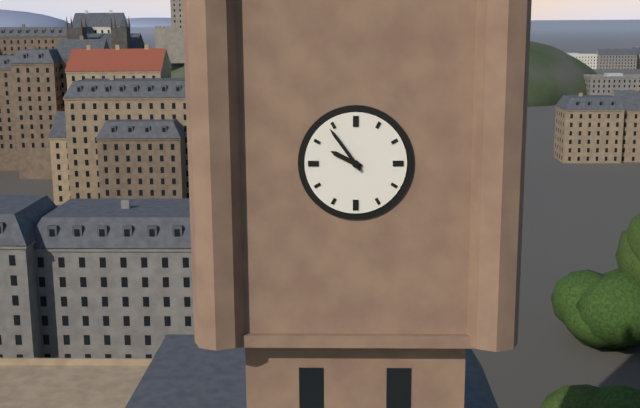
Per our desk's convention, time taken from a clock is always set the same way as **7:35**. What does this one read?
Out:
**9:54**
